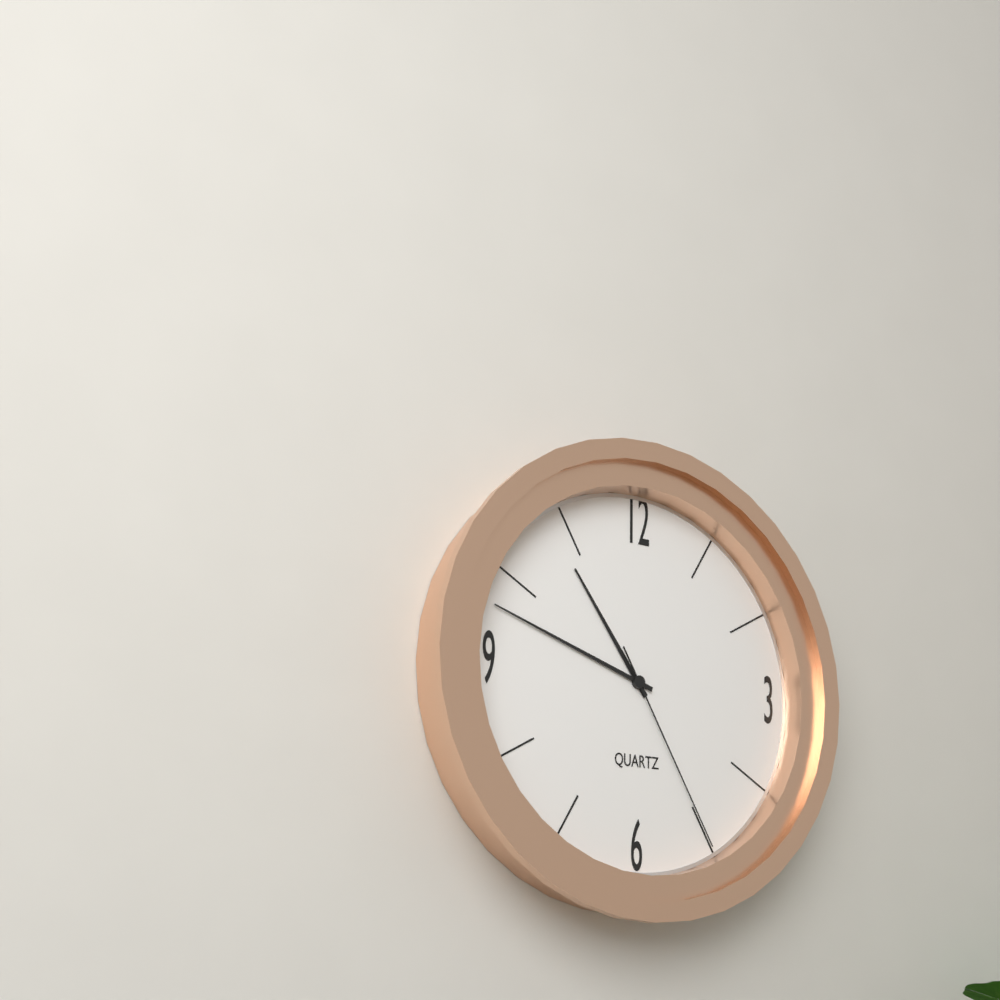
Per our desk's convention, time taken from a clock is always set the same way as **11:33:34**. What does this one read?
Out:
**10:48:25**
